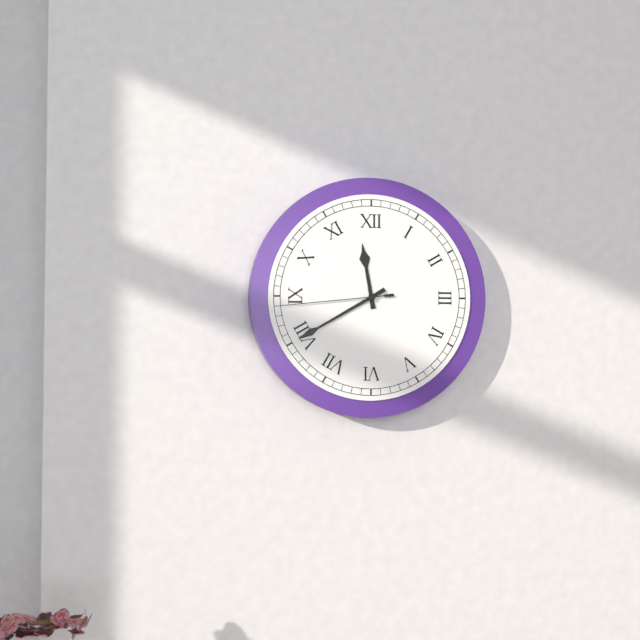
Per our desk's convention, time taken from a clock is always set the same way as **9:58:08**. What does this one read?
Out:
**11:40:44**
